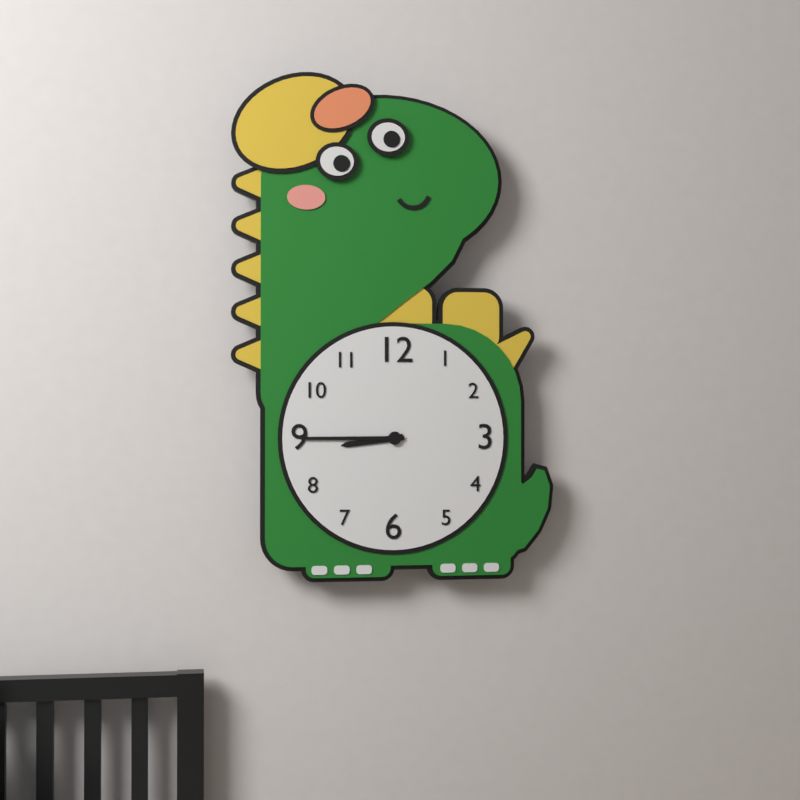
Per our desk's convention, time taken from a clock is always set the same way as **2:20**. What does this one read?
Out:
**8:45**
